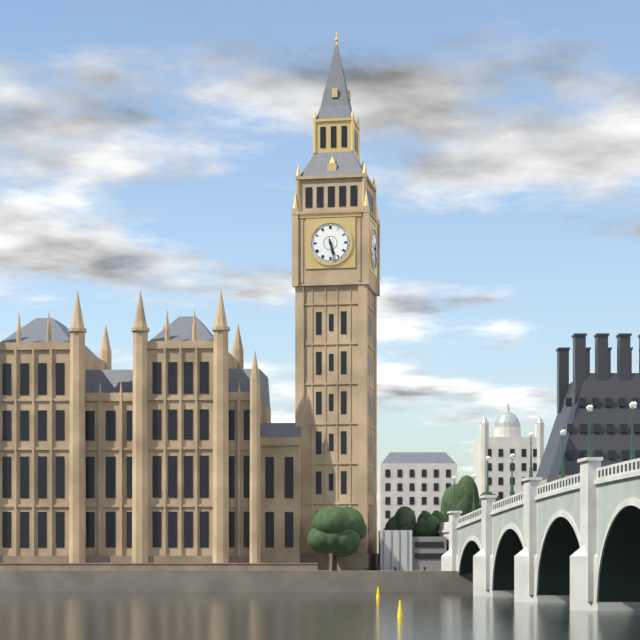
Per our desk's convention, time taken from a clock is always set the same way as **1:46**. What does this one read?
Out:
**5:28**
